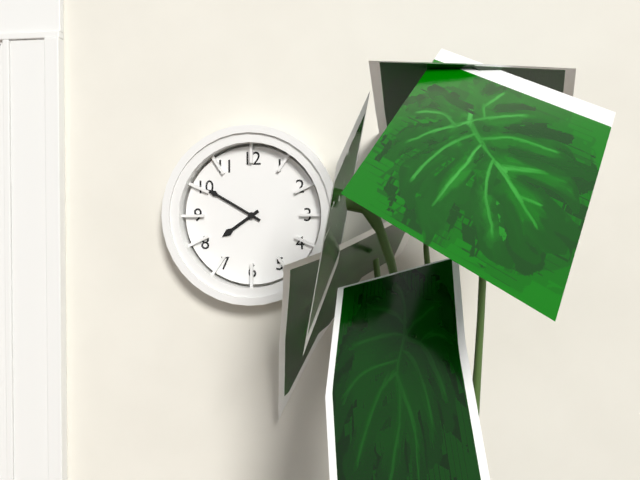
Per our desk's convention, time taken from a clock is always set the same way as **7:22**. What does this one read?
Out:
**7:50**
